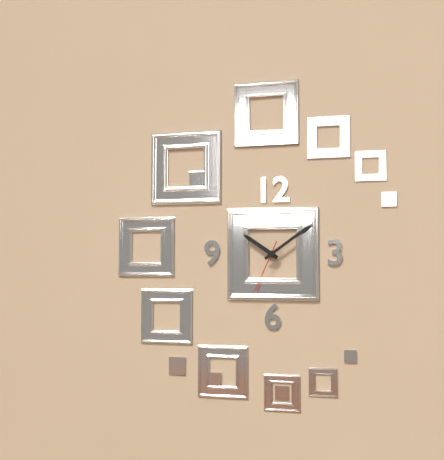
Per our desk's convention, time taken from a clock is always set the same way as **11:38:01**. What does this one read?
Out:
**10:09:34**
